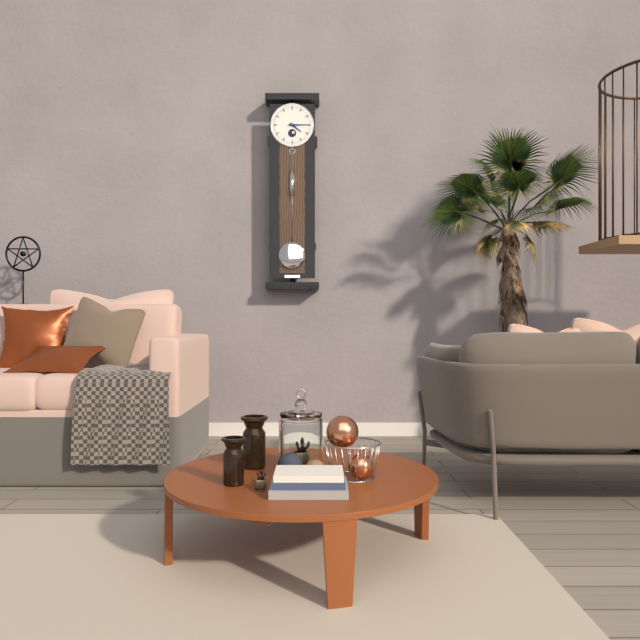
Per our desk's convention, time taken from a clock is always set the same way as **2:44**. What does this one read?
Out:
**4:15**
